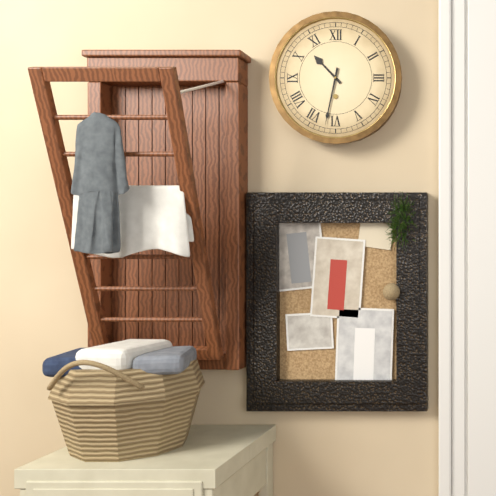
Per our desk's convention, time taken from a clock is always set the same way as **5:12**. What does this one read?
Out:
**10:32**
